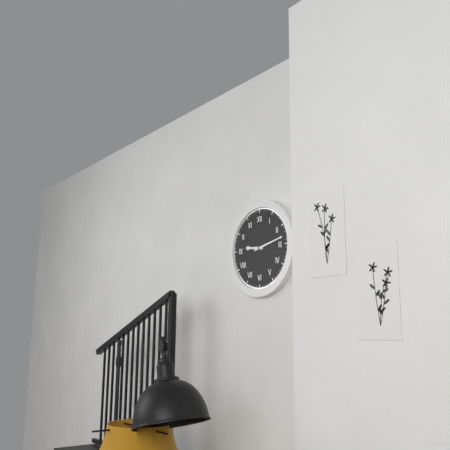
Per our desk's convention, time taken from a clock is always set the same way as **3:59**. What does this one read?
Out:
**9:13**
